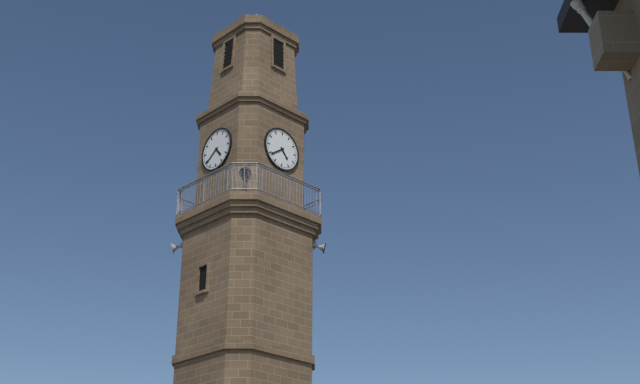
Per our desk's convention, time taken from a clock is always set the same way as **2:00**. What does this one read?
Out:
**4:39**
